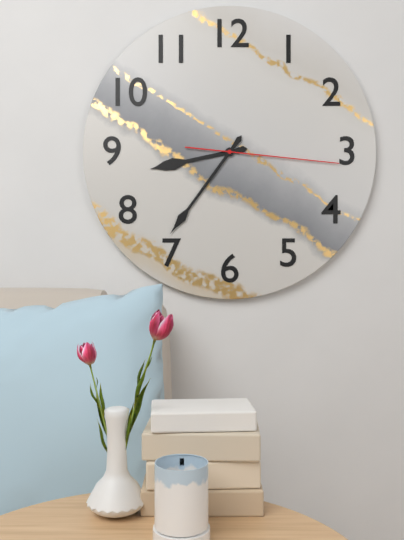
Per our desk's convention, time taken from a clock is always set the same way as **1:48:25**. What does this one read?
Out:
**8:36:16**
